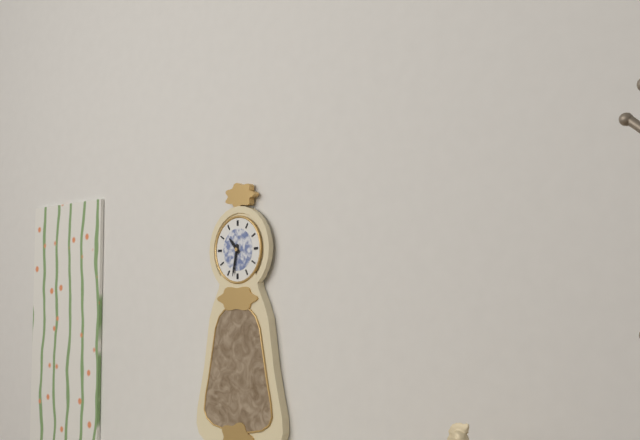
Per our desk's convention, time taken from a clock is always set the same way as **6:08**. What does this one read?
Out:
**10:32**
